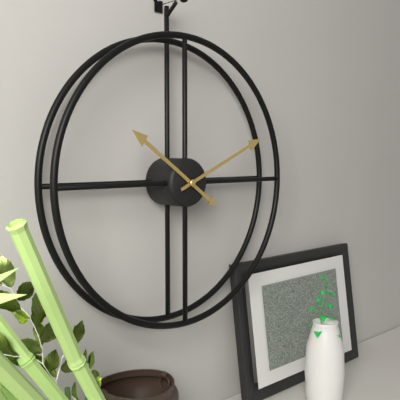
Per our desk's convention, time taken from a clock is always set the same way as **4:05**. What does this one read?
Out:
**10:11**
